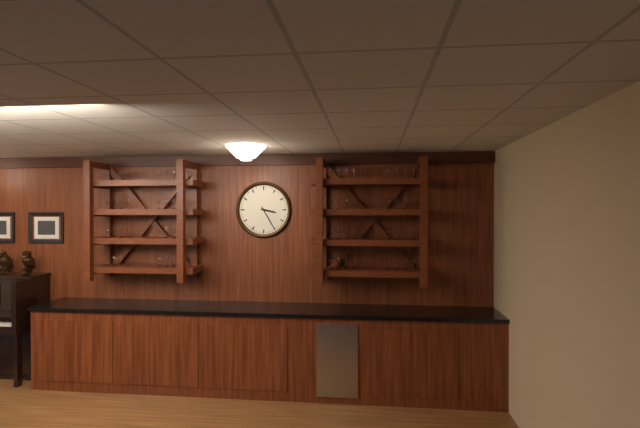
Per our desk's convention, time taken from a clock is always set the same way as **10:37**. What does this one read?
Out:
**3:25**
